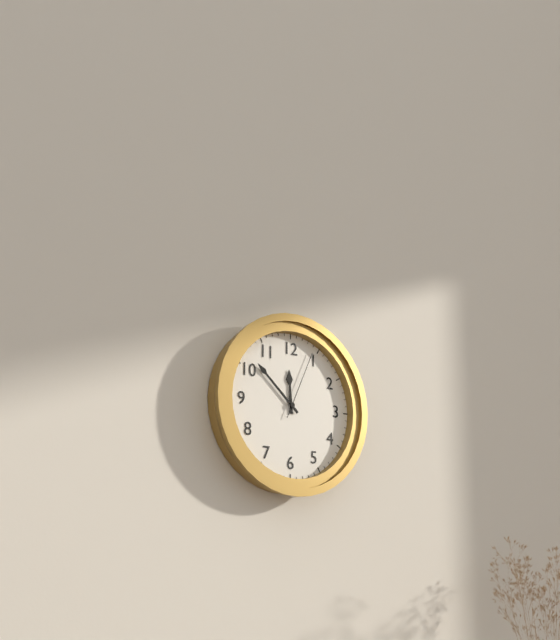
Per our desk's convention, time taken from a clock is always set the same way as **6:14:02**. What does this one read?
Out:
**11:52:04**
